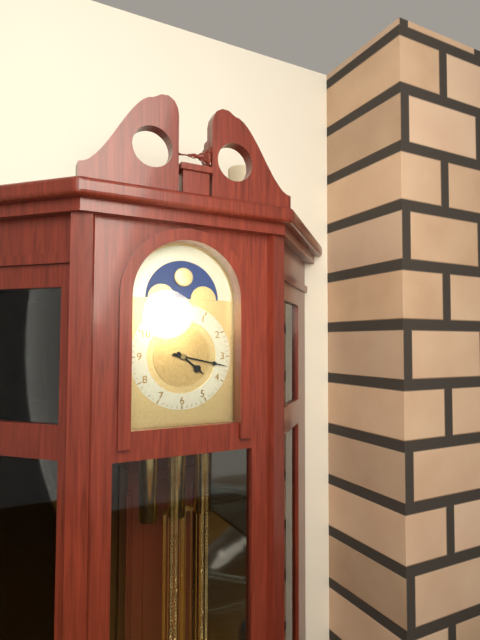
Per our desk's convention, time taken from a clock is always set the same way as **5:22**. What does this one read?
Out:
**4:17**
